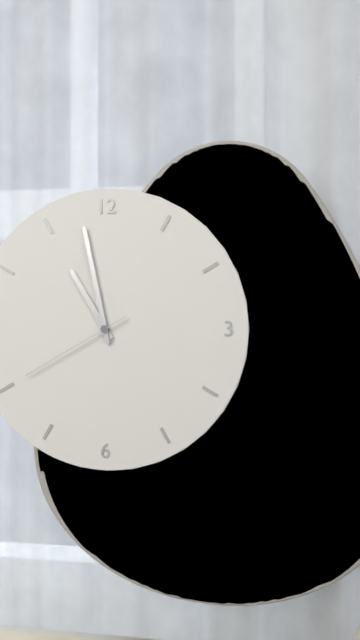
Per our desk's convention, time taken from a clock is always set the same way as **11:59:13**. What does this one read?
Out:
**10:58:40**
